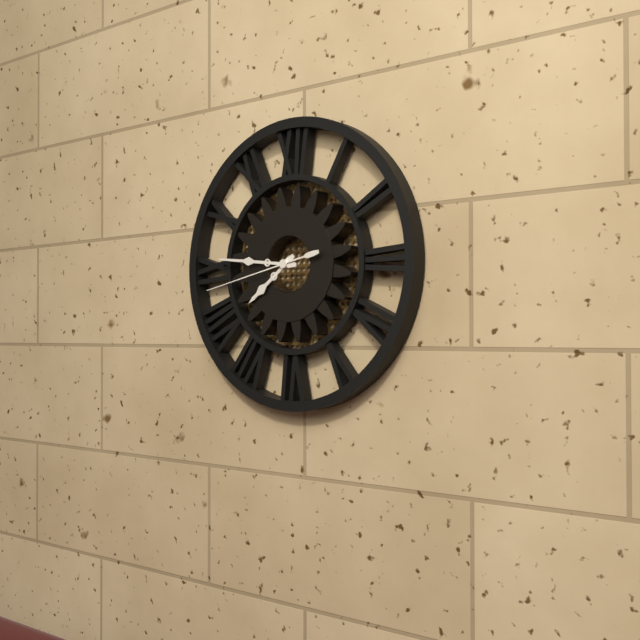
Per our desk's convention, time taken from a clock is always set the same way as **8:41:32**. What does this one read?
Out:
**7:46:43**
